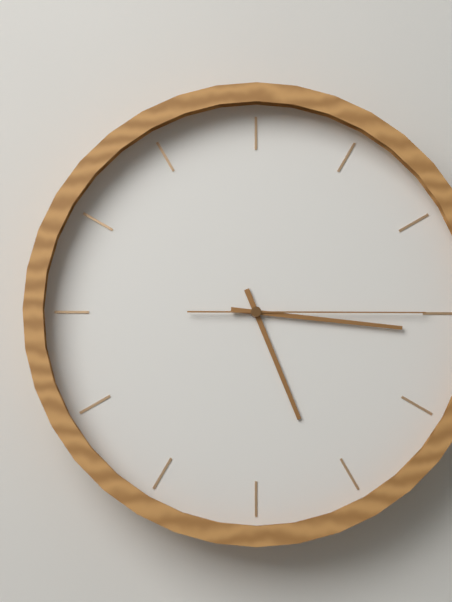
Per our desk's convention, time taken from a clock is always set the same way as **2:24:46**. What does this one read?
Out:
**5:16:15**
